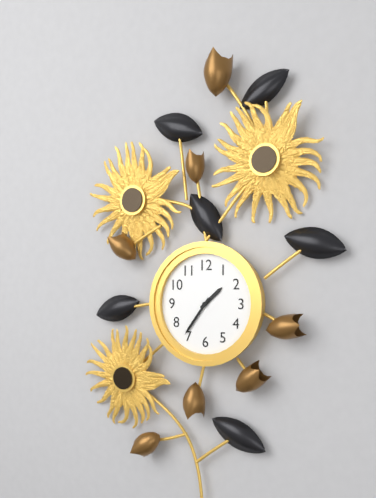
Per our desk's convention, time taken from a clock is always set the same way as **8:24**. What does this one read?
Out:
**1:36**
